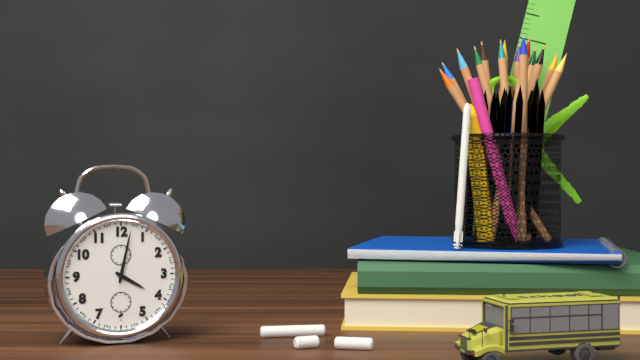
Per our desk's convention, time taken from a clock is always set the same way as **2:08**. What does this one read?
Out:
**4:02**
